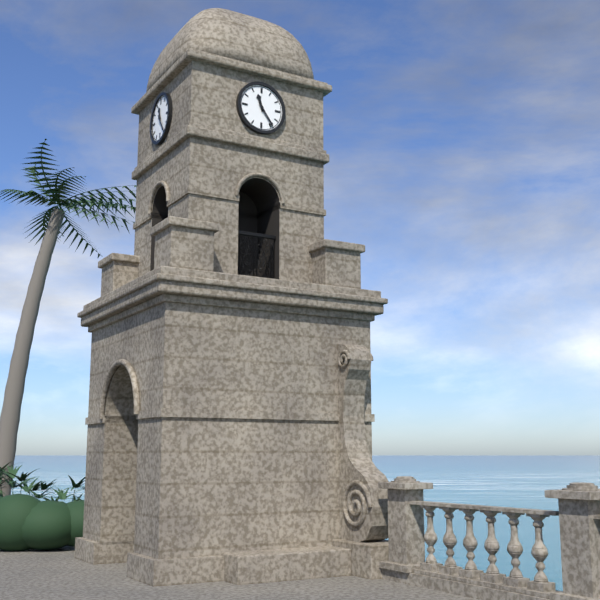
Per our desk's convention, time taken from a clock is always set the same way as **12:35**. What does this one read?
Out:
**11:24**
